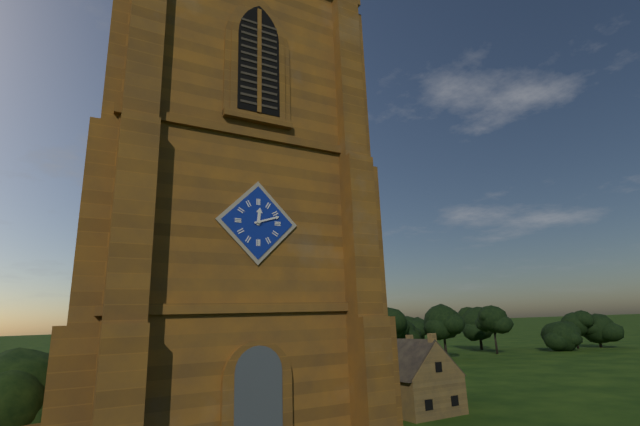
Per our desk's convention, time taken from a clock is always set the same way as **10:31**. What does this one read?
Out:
**12:12**
